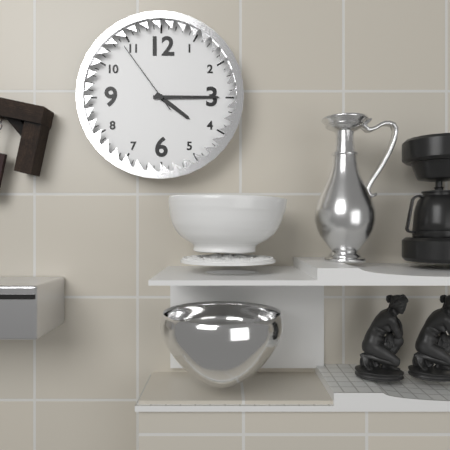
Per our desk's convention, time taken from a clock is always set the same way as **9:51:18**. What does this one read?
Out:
**4:15:54**
